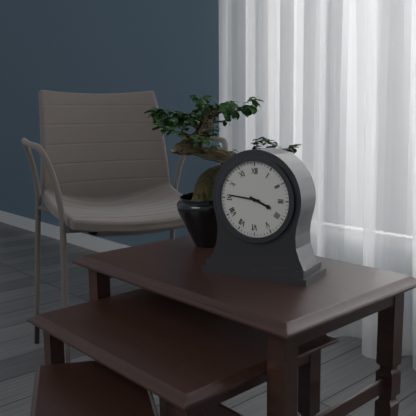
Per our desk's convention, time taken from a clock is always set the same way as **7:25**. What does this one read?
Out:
**3:46**
